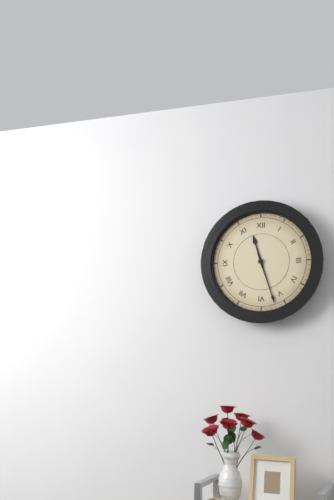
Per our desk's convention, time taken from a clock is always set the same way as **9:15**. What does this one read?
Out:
**11:27**
